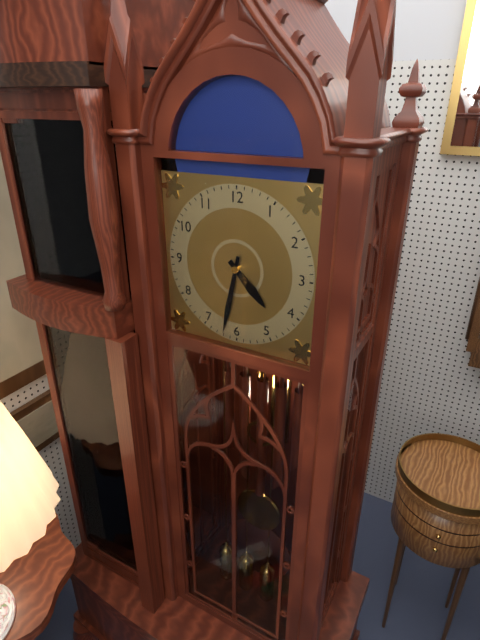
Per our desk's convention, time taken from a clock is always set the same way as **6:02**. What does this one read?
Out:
**4:32**
